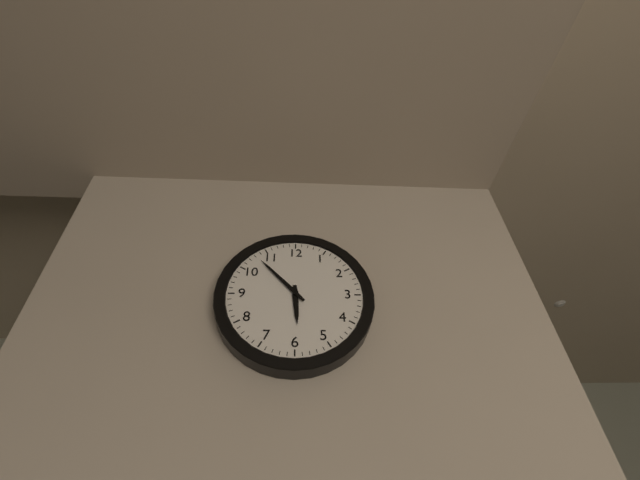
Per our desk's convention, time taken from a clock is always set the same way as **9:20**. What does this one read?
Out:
**5:53**
